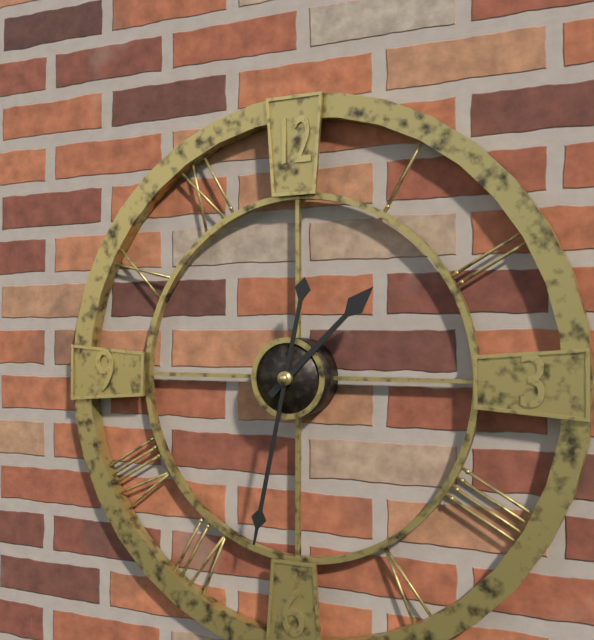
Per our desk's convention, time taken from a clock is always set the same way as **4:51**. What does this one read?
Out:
**1:32**
